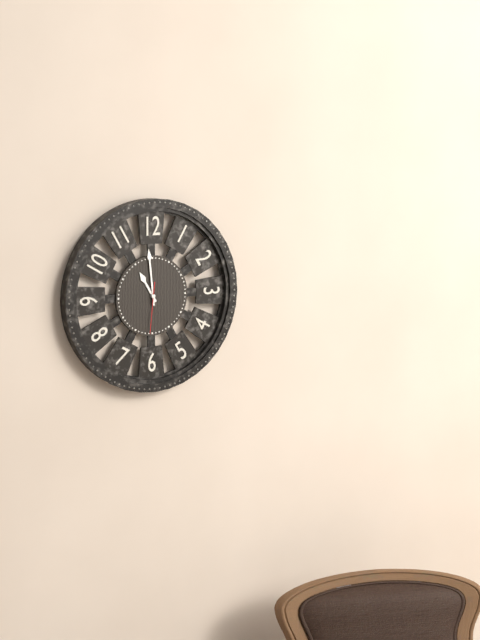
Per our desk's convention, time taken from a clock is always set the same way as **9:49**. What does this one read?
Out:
**10:59**
